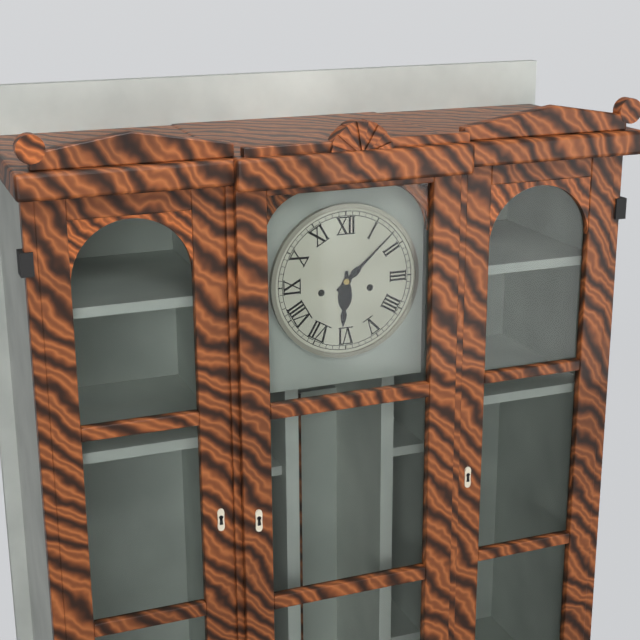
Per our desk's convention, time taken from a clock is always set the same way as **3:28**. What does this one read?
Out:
**6:08**
